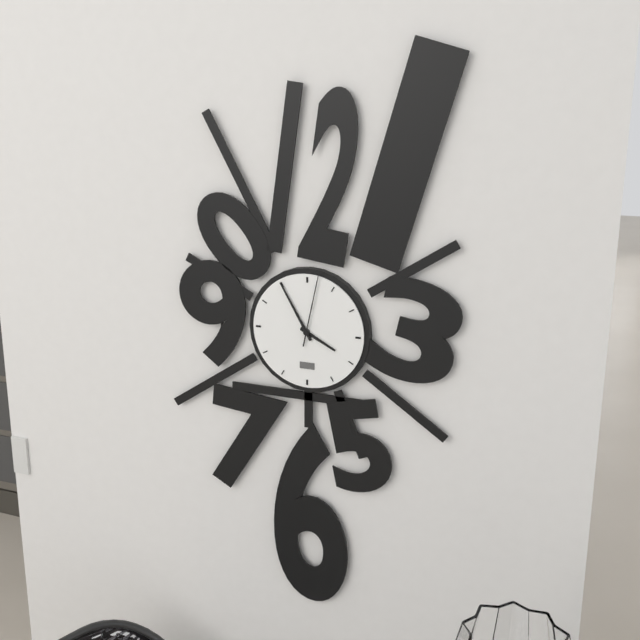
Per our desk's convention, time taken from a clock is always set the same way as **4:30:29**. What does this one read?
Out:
**3:55:02**
